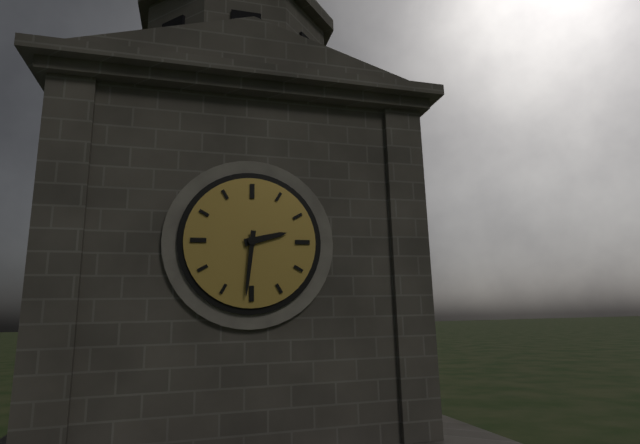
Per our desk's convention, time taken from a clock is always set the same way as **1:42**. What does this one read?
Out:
**2:31**
